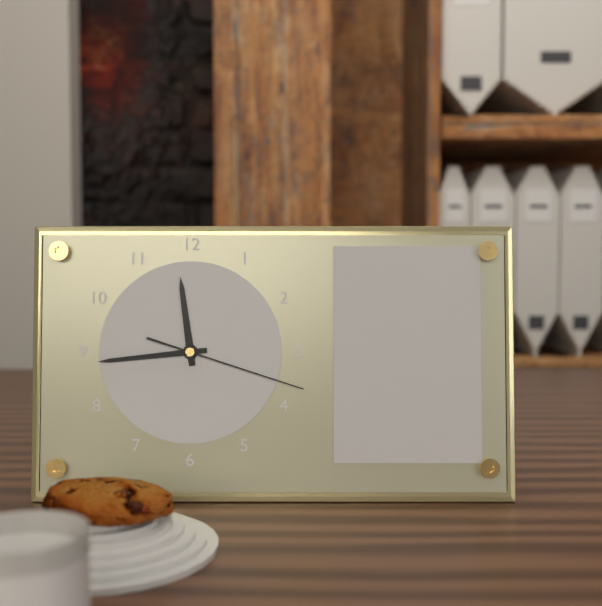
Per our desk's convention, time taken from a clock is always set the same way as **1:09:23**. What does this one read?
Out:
**11:44:18**
